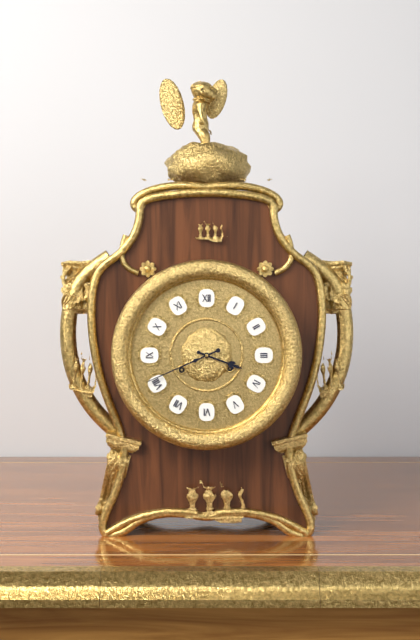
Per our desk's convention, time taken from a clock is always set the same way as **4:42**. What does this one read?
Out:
**3:41**
